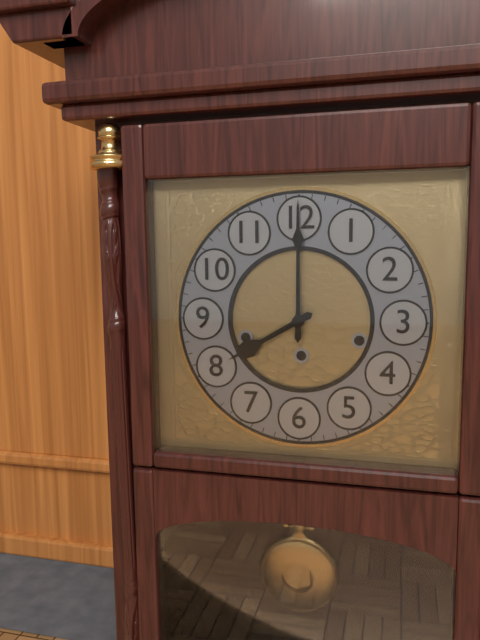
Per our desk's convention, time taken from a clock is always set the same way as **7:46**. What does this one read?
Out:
**8:00**
